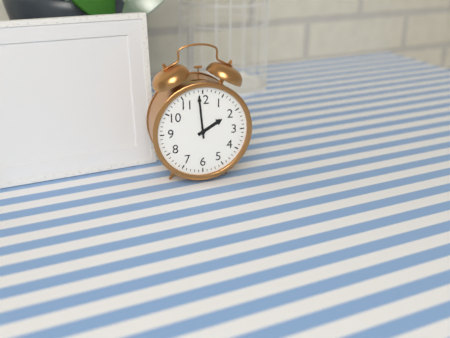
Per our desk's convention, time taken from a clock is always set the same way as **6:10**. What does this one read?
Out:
**1:59**
